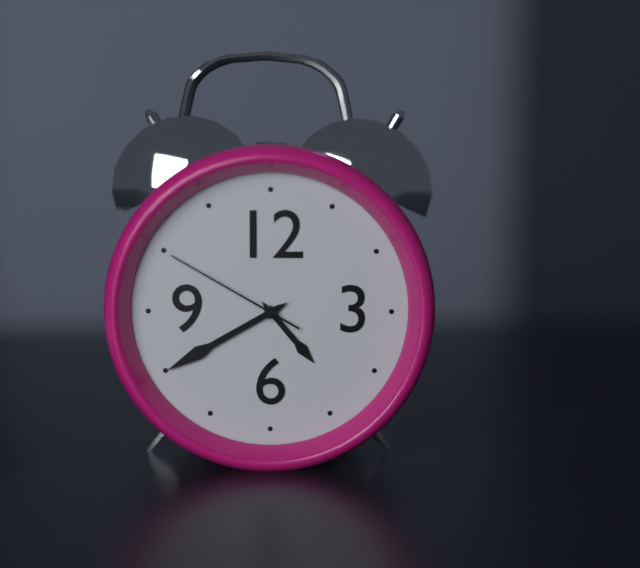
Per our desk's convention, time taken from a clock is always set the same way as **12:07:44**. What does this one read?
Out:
**4:40:50**
